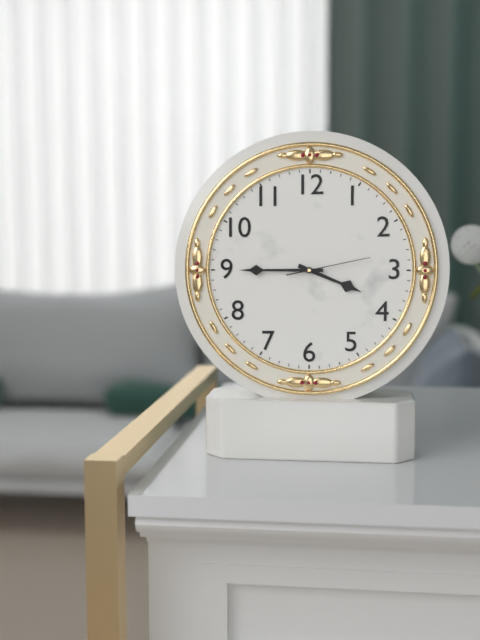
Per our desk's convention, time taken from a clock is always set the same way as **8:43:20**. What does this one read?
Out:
**3:45:13**
